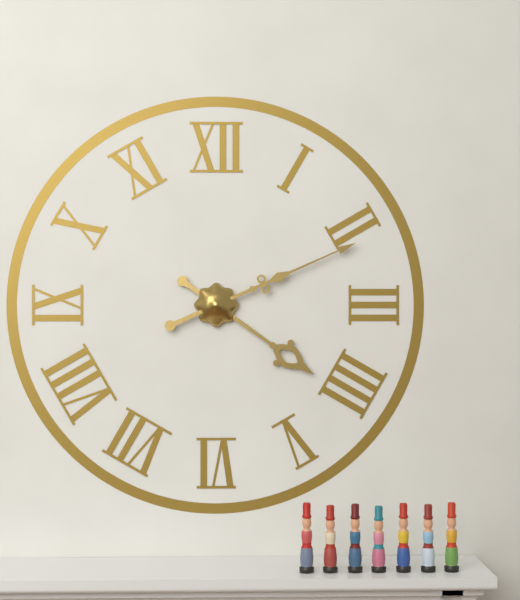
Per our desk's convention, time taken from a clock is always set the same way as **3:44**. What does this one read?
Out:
**4:11**
